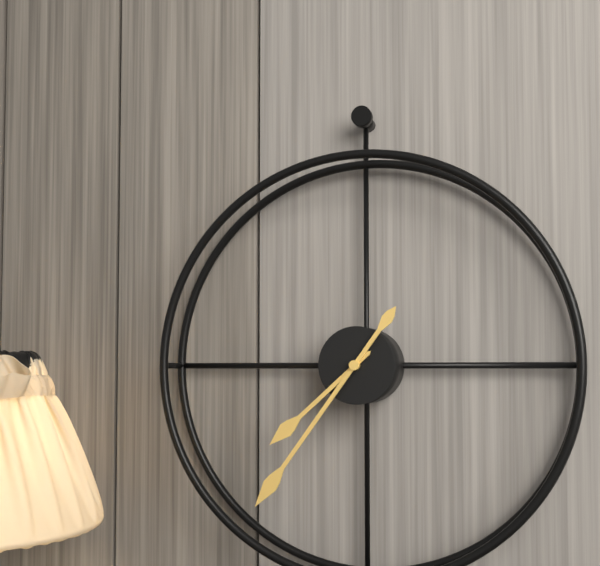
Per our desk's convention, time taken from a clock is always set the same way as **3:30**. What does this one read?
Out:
**7:36**
